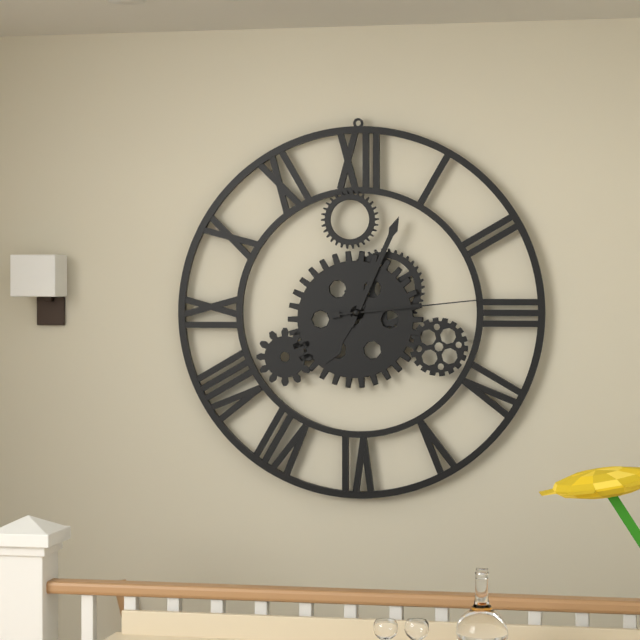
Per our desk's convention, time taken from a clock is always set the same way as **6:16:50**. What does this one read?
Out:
**7:04:14**
